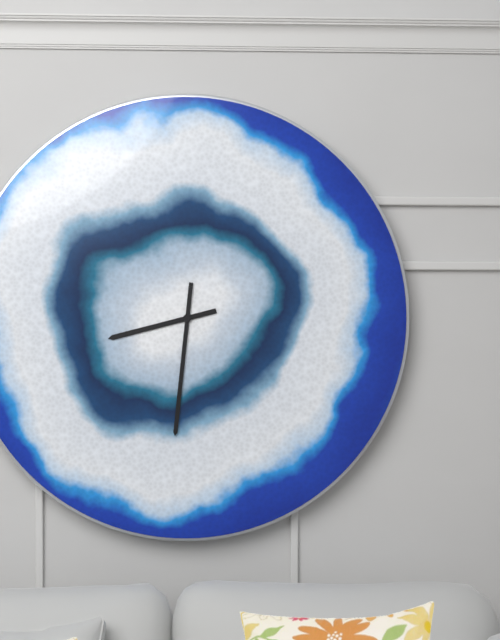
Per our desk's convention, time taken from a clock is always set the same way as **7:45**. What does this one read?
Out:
**8:31**
